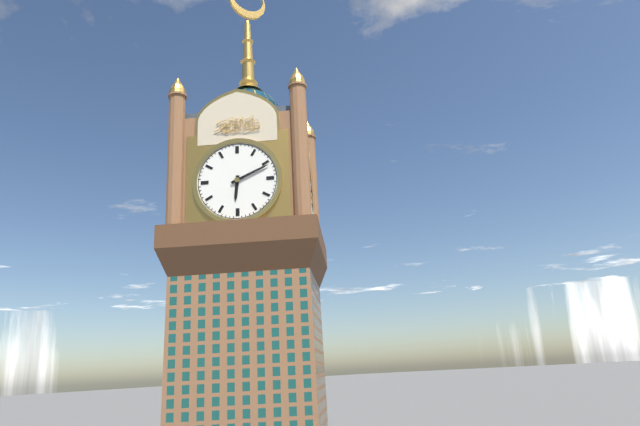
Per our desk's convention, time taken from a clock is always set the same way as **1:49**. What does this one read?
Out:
**6:11**
